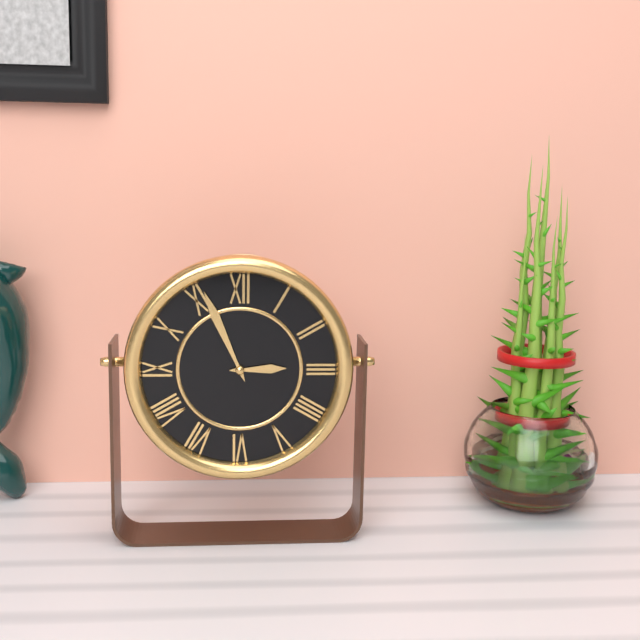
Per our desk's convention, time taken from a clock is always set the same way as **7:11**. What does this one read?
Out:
**2:56**
